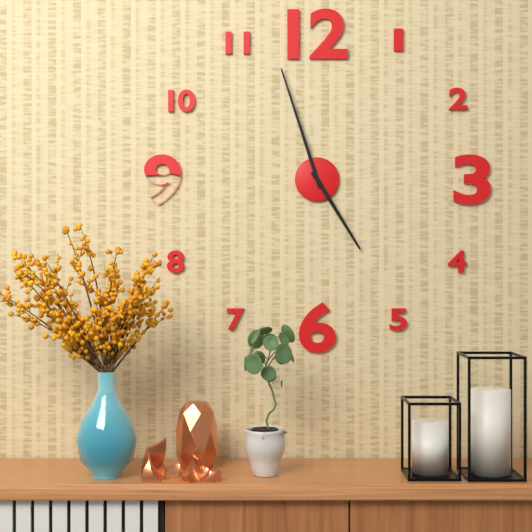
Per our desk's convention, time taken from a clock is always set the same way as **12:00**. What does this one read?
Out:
**4:57**
